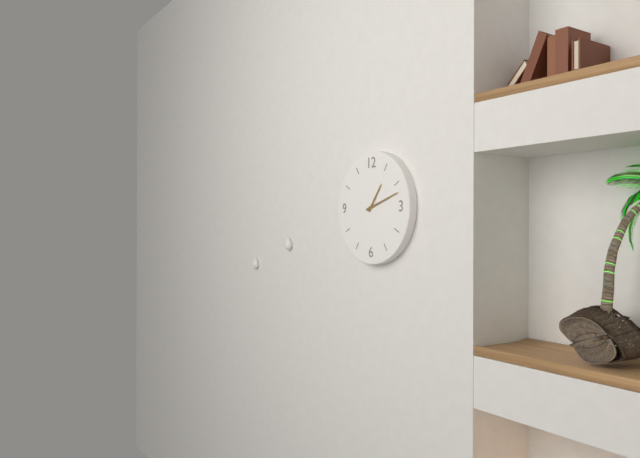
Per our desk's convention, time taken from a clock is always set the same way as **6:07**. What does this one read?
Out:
**1:12**
